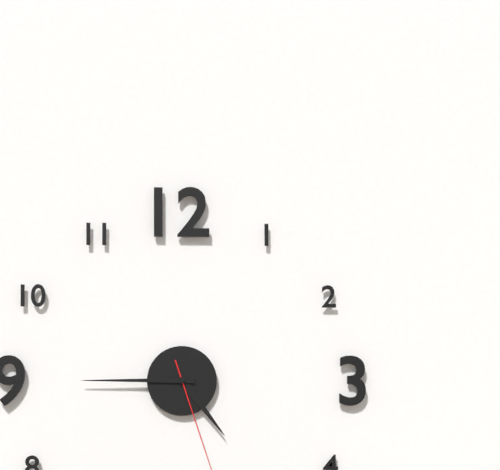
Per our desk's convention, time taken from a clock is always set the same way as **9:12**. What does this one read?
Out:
**4:45**
